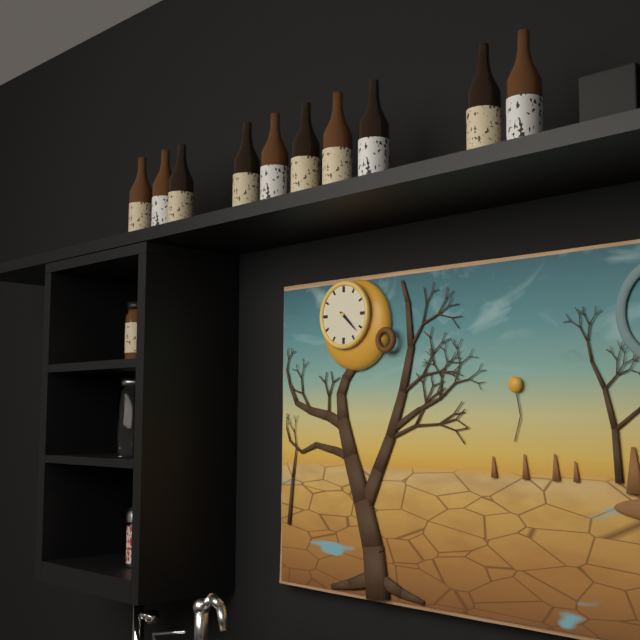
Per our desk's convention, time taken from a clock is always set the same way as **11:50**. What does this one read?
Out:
**4:22**
